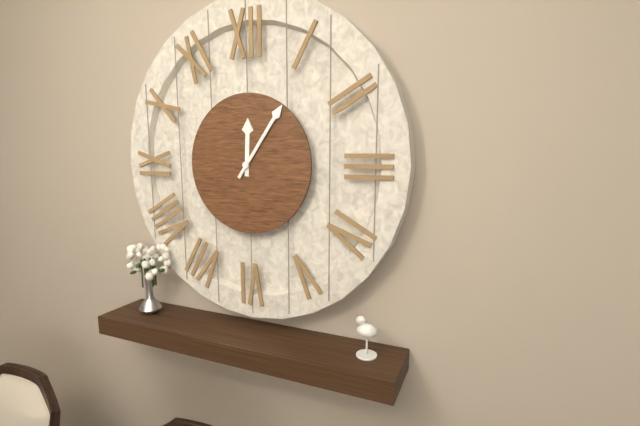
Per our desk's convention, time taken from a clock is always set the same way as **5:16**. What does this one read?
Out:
**12:06**
